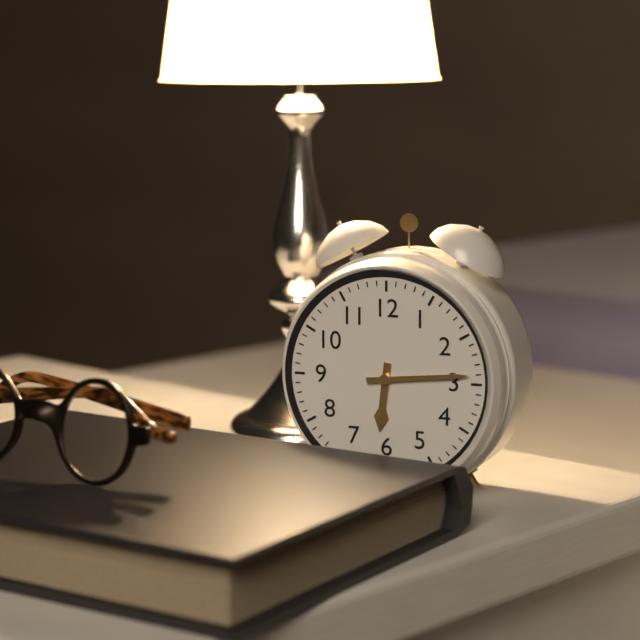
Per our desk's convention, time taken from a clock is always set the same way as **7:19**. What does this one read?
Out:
**6:14**
